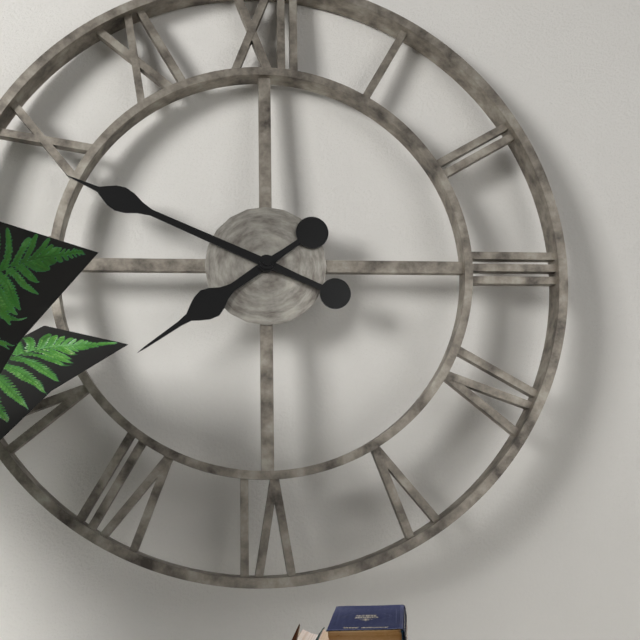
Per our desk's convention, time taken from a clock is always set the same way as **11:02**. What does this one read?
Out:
**7:49**
